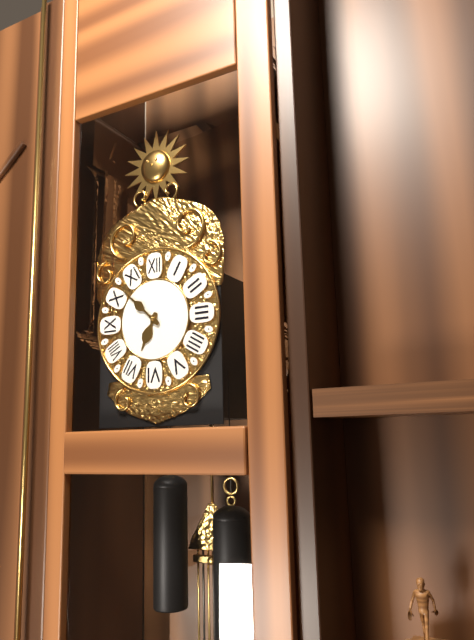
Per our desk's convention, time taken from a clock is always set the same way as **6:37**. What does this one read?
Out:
**6:52**
